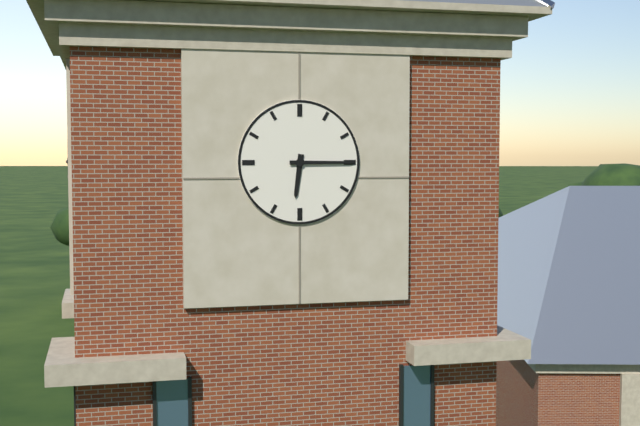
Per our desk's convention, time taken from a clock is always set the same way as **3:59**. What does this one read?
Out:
**6:15**
